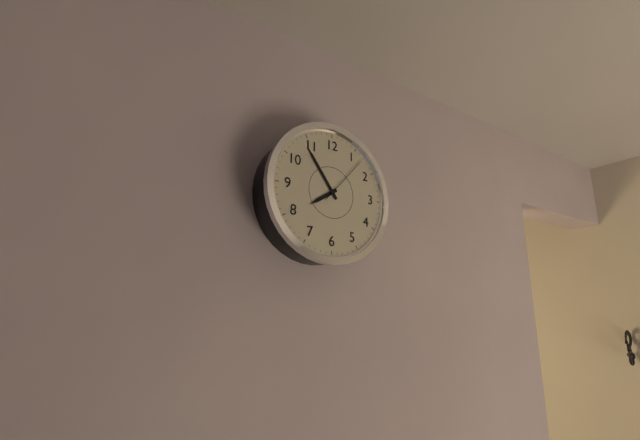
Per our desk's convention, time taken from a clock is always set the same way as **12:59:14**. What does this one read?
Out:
**7:54:07**
